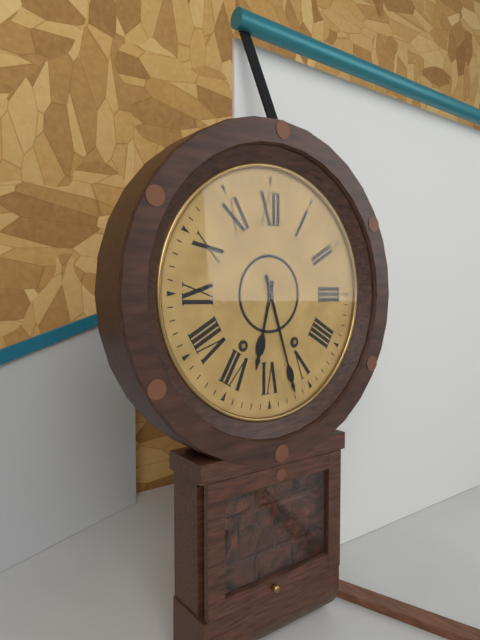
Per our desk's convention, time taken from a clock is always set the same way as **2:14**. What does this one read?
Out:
**6:27**
